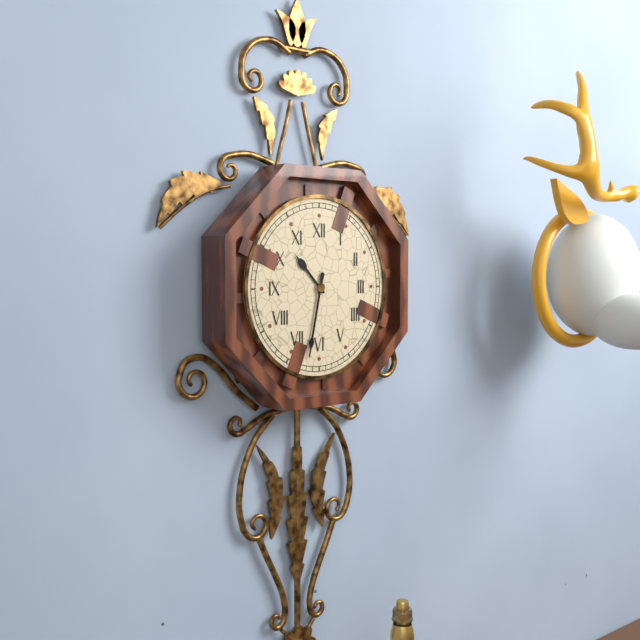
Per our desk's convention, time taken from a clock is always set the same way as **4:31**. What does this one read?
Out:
**10:32**
